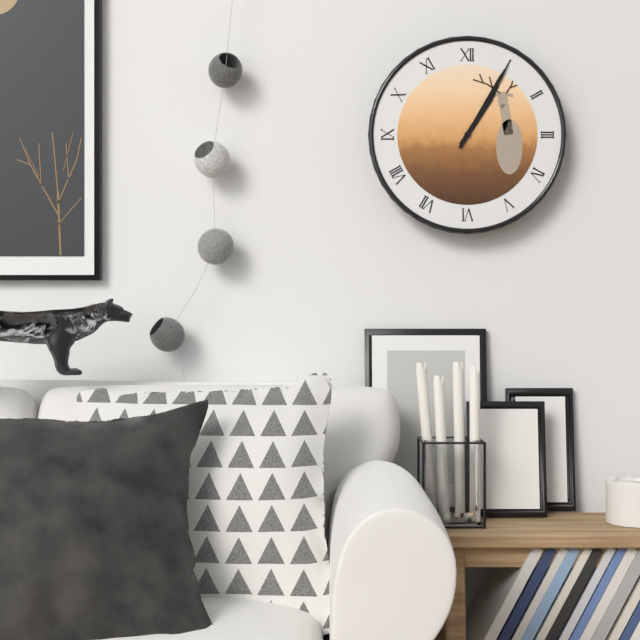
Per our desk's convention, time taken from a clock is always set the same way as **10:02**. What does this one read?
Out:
**1:05**
